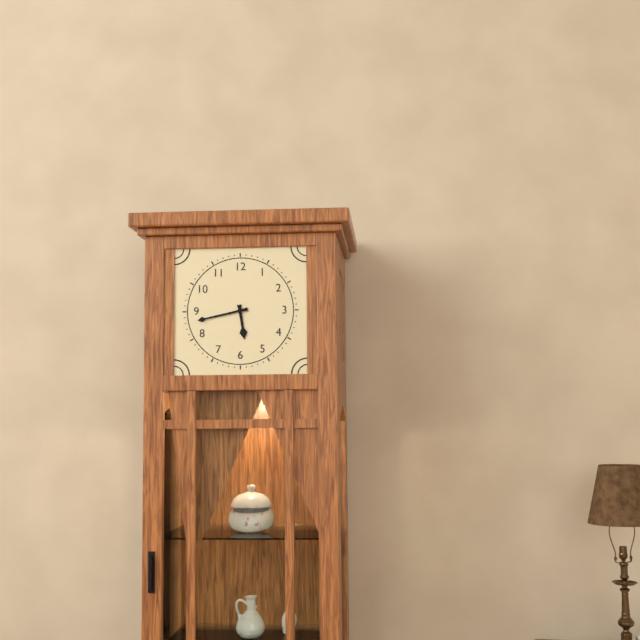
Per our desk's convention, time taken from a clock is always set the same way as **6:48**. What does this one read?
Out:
**5:43**
